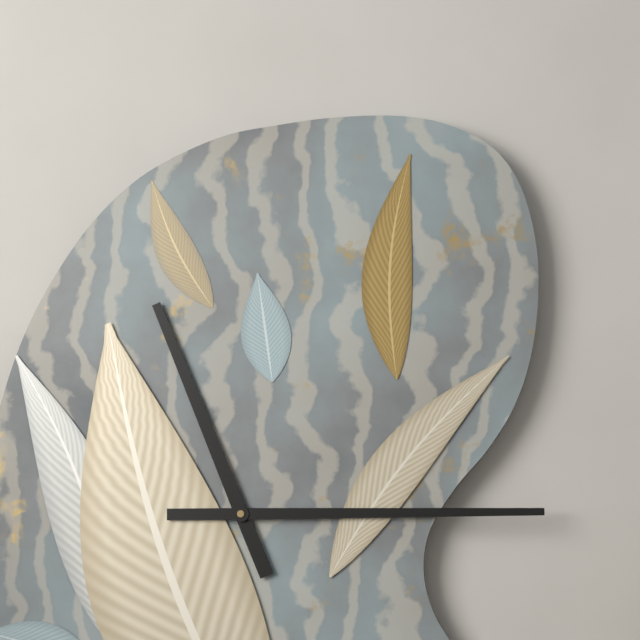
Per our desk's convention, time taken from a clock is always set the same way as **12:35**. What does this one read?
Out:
**11:15**
